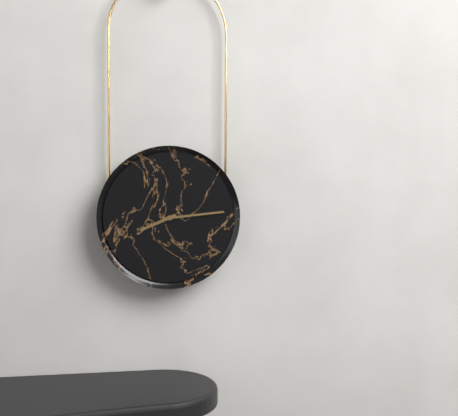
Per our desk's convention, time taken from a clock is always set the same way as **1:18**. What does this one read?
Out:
**8:14**
